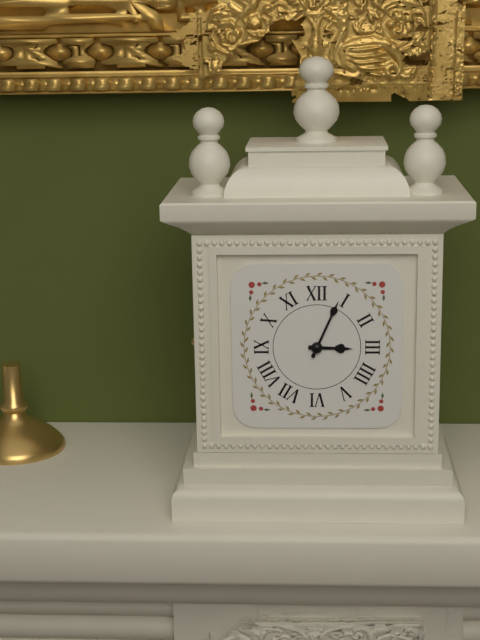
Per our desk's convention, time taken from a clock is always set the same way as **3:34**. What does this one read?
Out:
**3:04**
